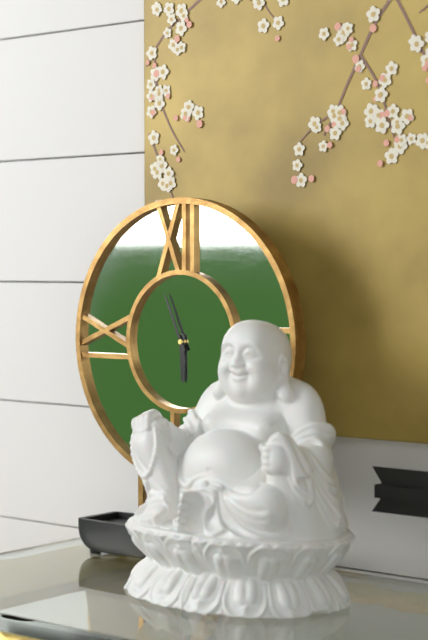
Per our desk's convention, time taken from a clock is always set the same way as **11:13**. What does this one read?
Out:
**5:56**
